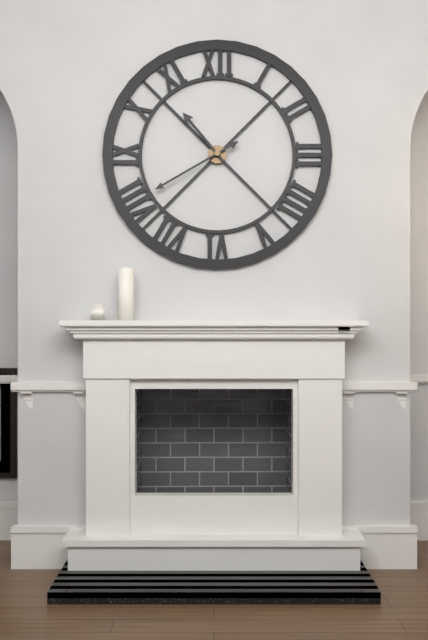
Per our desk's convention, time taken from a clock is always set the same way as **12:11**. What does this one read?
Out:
**10:40**
